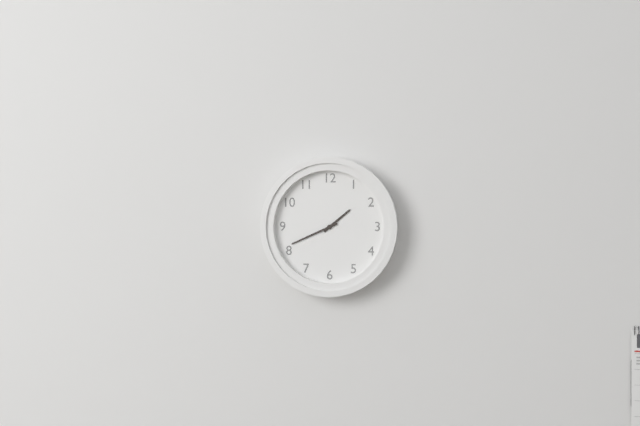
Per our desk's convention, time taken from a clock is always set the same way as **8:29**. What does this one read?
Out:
**1:41**
